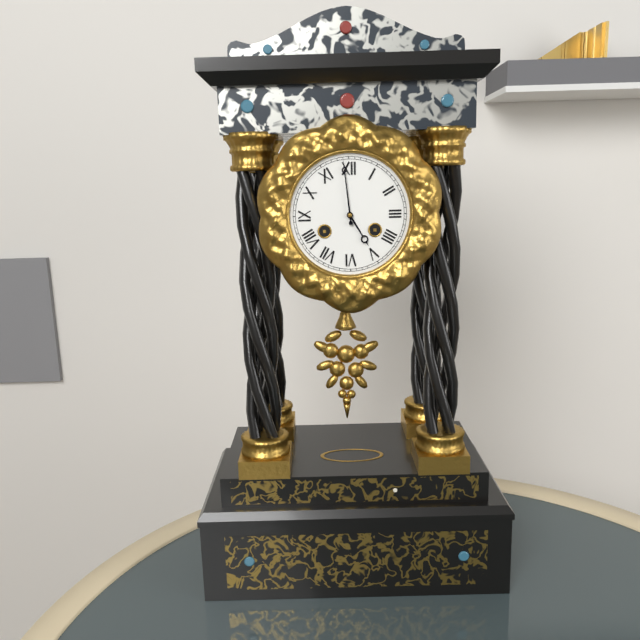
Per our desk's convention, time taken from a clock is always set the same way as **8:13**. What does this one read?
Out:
**4:59**
